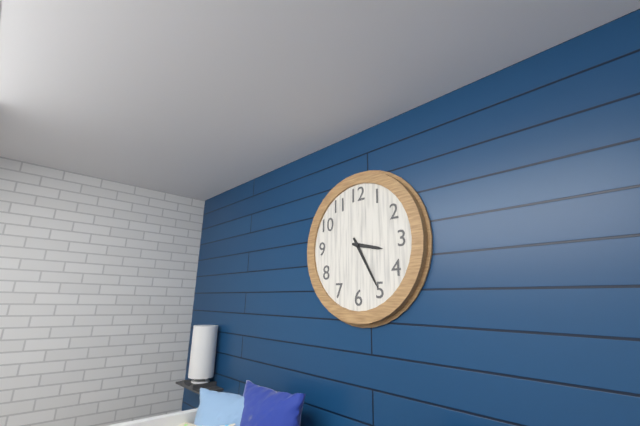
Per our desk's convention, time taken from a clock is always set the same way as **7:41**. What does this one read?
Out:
**3:25**
